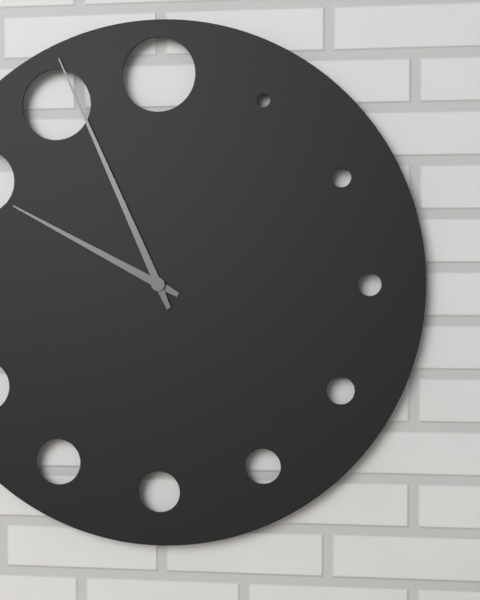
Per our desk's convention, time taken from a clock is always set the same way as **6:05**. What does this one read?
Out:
**9:56**
